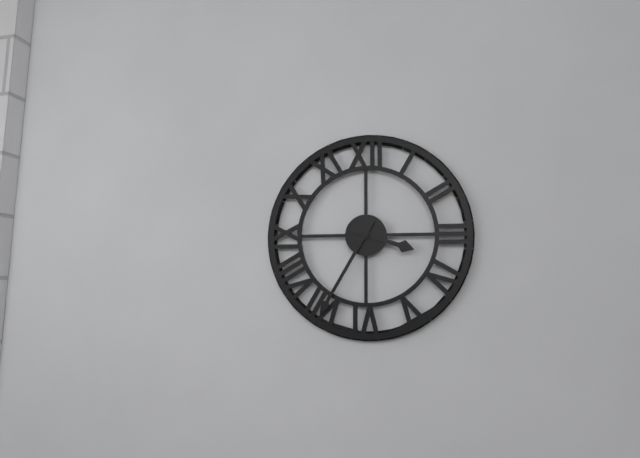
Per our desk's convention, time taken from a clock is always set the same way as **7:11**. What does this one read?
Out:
**3:35**
